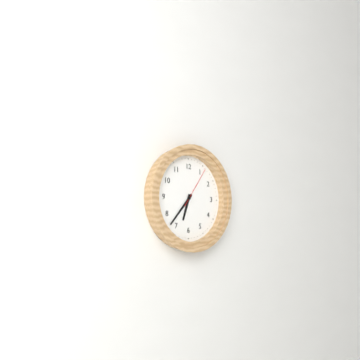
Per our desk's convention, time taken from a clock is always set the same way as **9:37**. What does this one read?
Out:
**6:37**
